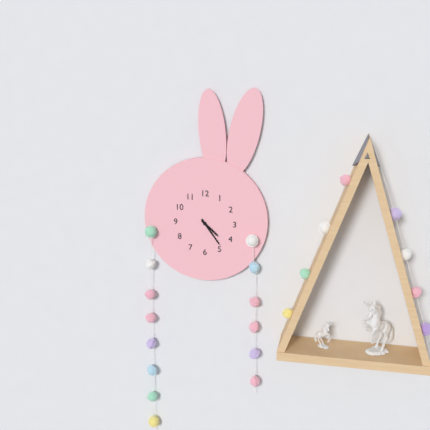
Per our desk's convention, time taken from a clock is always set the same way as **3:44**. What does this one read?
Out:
**4:24**
